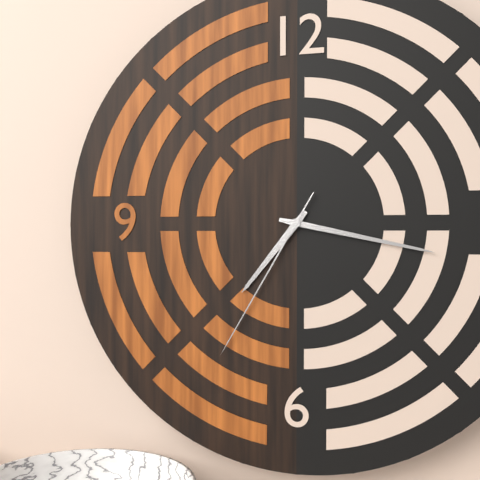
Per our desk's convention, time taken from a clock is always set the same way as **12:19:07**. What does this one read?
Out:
**7:17:35**
